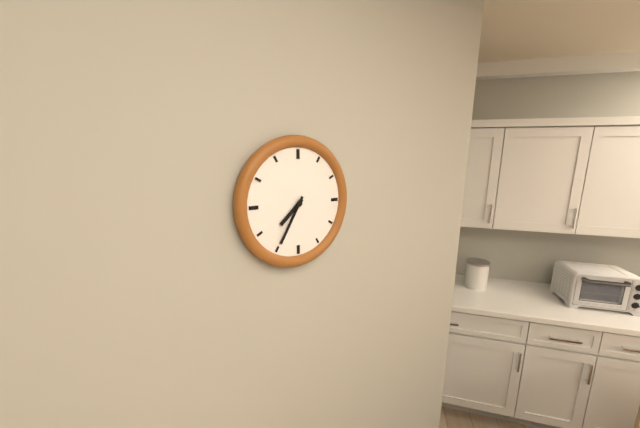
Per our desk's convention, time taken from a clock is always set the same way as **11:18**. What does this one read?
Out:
**7:35**
